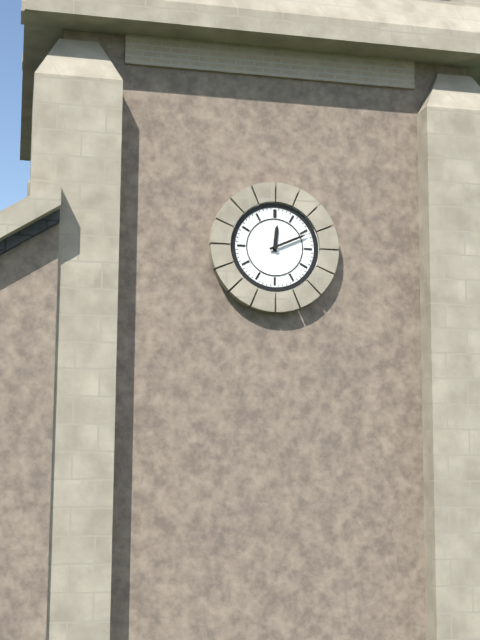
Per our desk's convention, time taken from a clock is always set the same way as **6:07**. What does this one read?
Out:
**12:11**
